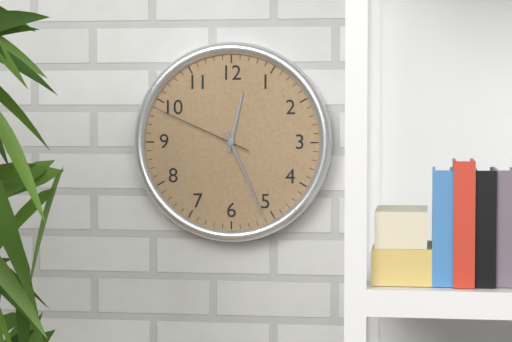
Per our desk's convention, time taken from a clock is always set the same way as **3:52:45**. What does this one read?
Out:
**12:26:49**
